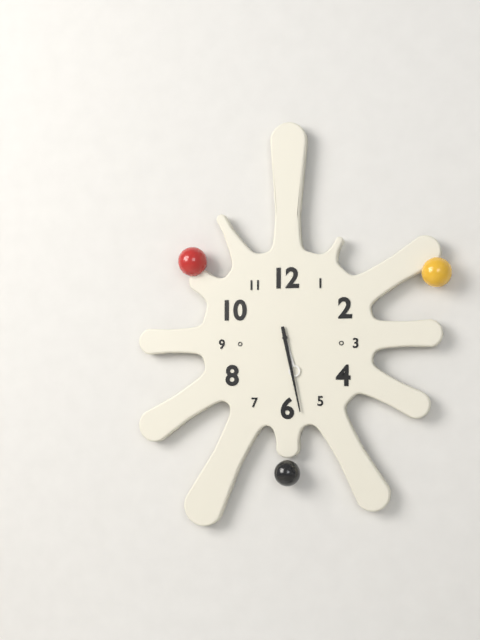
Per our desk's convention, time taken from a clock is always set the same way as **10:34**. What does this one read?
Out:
**5:28**
